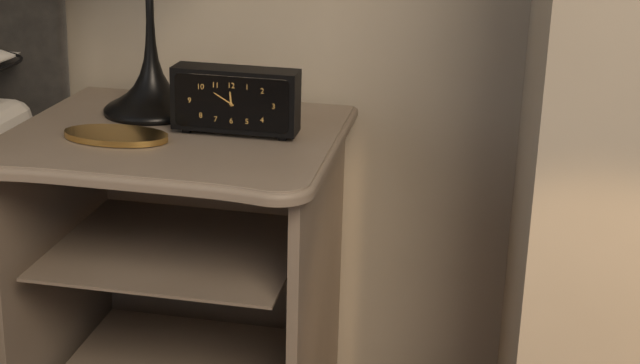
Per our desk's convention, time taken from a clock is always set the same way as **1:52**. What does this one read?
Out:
**11:50**
